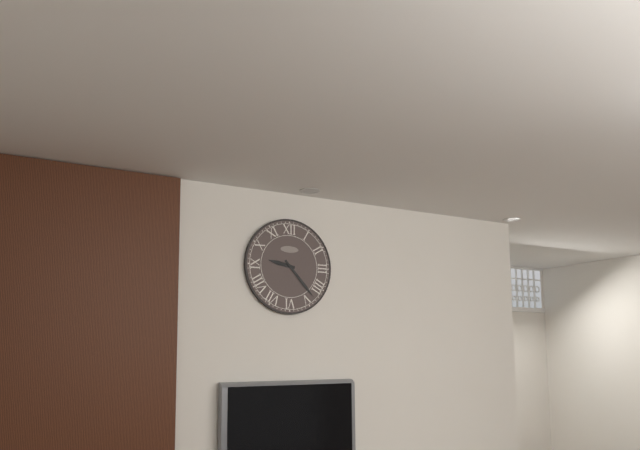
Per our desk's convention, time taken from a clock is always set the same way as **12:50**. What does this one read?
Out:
**9:23**
